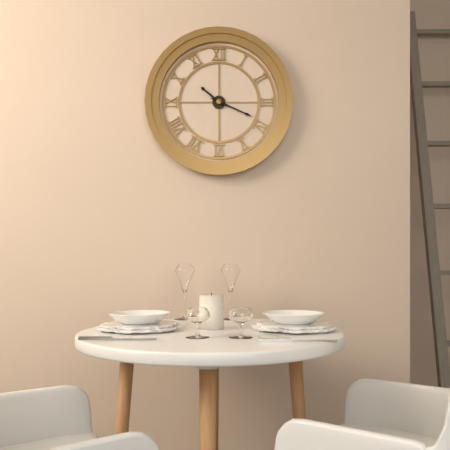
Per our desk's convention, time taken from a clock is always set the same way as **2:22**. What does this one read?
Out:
**10:19**
